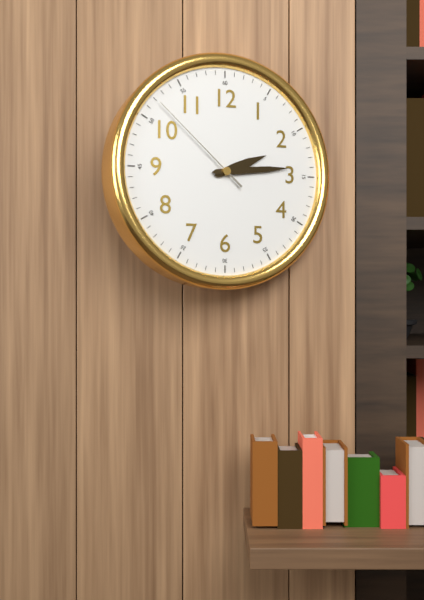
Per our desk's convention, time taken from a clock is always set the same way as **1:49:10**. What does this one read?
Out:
**2:14:52**
